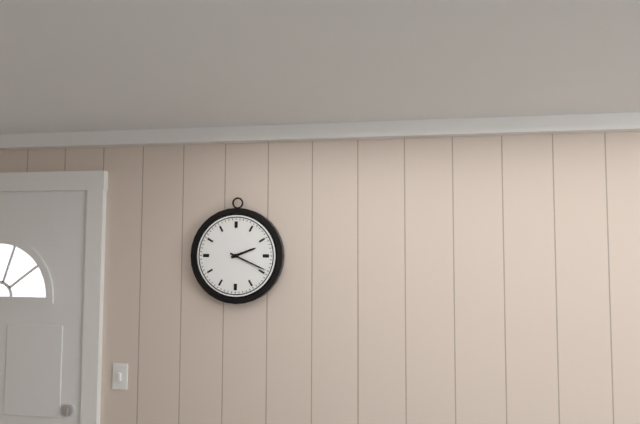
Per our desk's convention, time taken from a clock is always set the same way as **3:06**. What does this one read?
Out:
**2:19**
